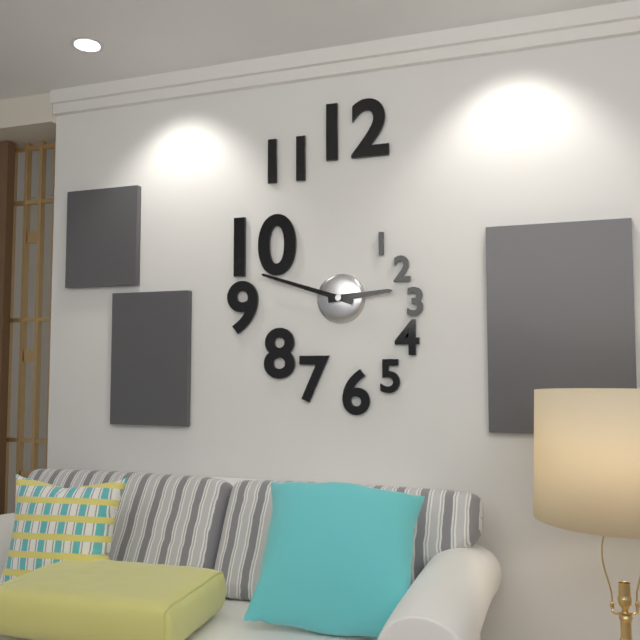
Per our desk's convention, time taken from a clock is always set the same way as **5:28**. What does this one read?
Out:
**2:48**
